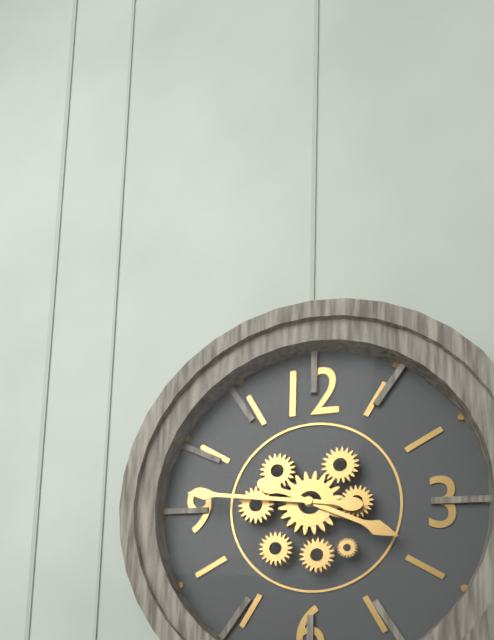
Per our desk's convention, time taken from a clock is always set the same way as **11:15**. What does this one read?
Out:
**3:46**
